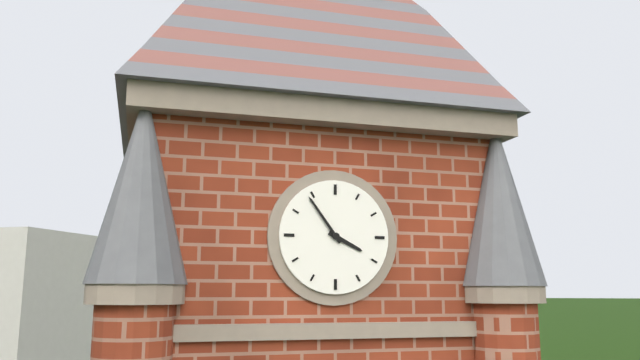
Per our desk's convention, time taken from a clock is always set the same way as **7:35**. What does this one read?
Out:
**3:54**
